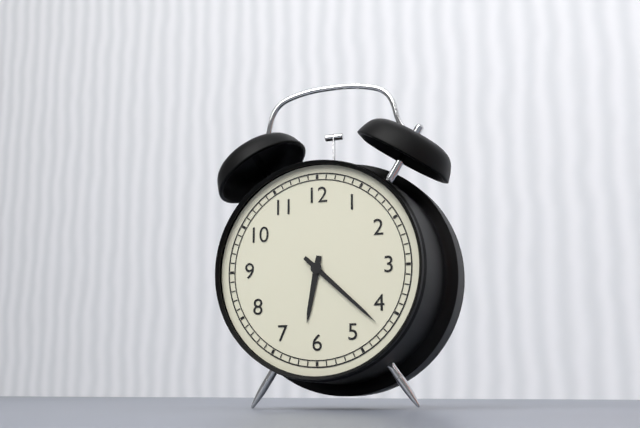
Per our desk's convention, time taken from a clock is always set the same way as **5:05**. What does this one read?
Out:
**6:22**
